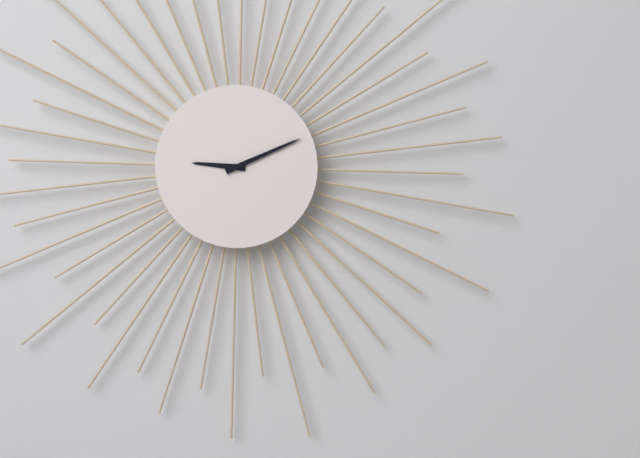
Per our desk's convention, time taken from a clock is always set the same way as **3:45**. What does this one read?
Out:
**9:11**
